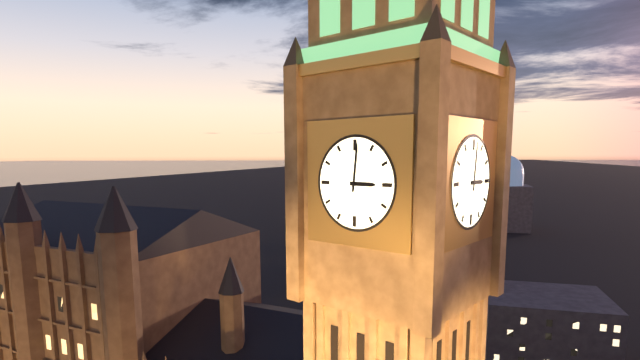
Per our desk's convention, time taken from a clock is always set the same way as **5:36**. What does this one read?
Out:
**3:01**
